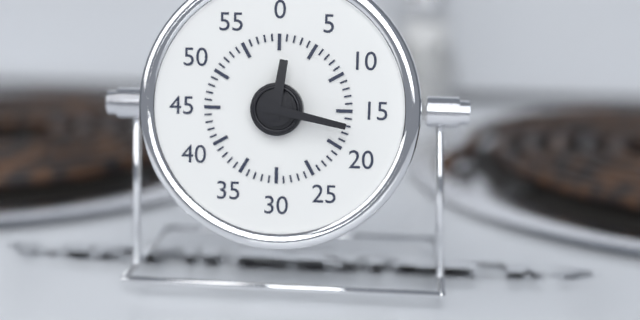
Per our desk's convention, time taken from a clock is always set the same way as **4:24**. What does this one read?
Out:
**12:17**
